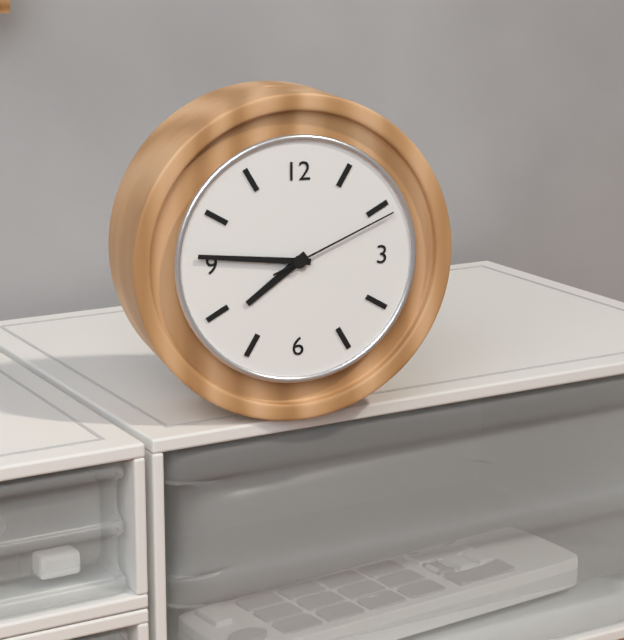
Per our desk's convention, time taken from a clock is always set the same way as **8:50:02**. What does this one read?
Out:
**7:46:11**
